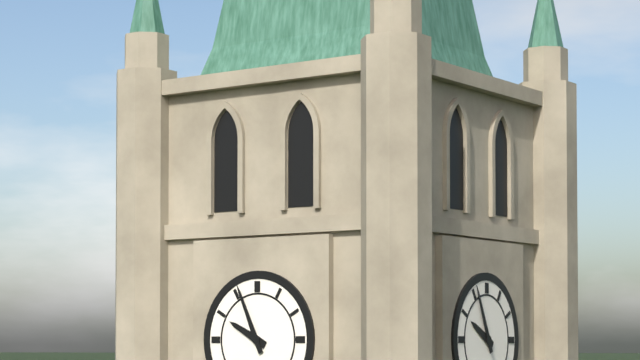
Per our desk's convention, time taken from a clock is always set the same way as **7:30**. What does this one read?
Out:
**9:56**
